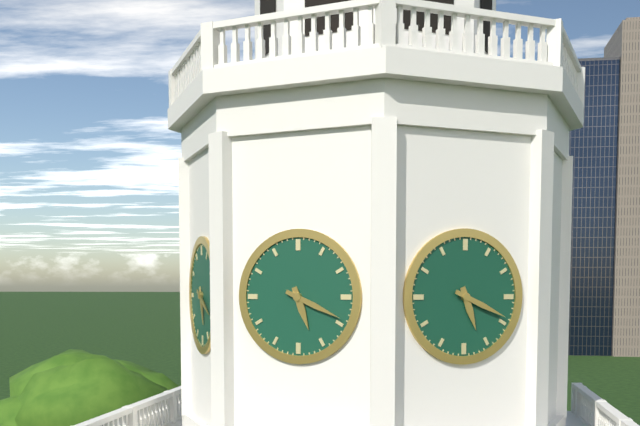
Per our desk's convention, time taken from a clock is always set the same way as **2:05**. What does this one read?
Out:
**5:19**
